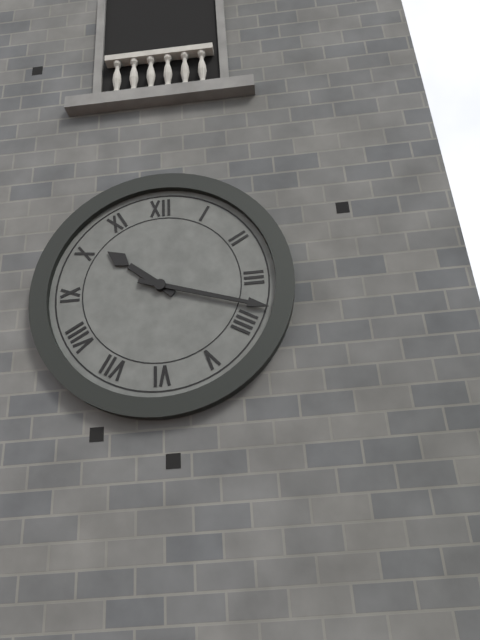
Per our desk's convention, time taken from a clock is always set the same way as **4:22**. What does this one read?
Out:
**10:18**
